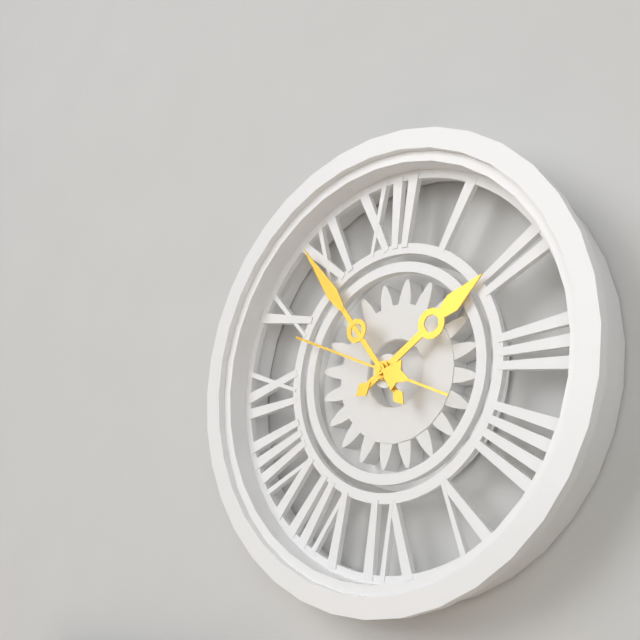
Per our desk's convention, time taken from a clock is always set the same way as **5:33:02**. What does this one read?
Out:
**1:54:49**
